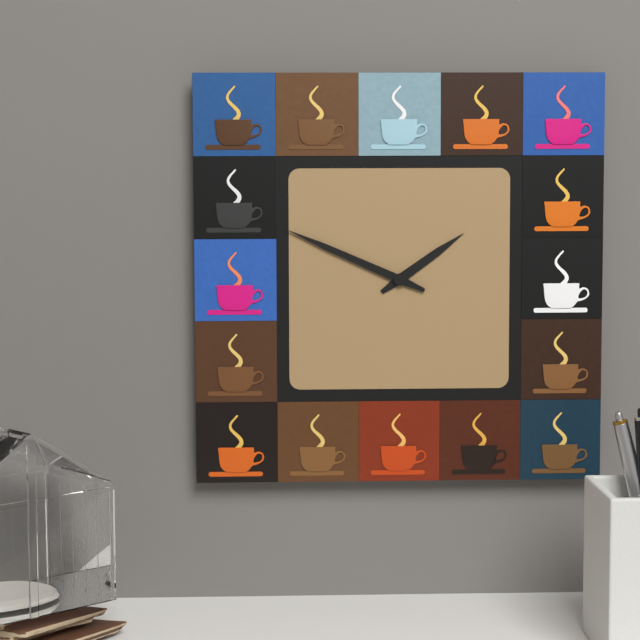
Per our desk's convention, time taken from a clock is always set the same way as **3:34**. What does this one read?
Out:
**1:49**
